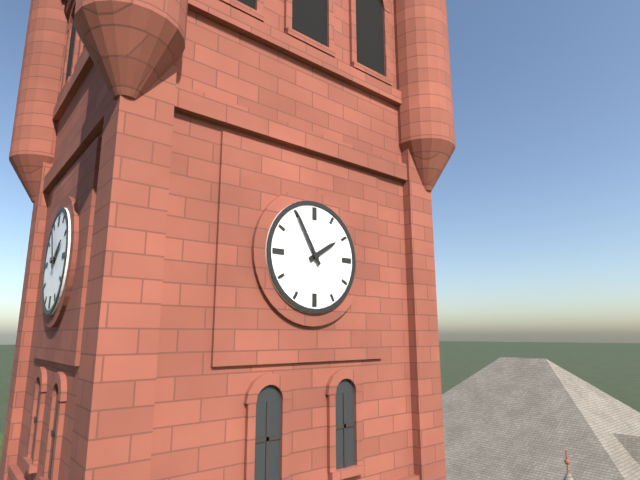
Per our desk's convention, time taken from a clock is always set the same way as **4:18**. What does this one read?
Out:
**1:55**
